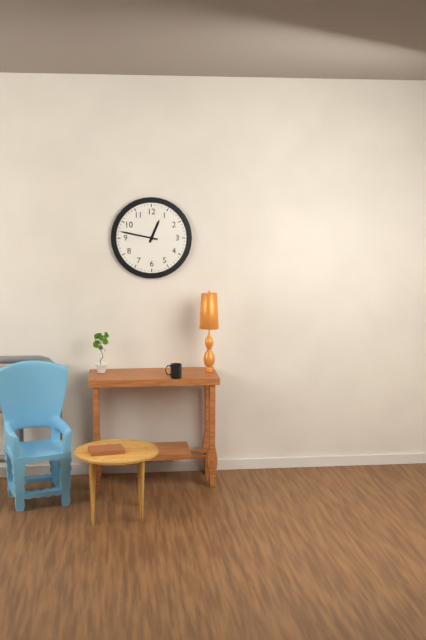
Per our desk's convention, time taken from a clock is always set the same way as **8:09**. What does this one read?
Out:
**12:47**
